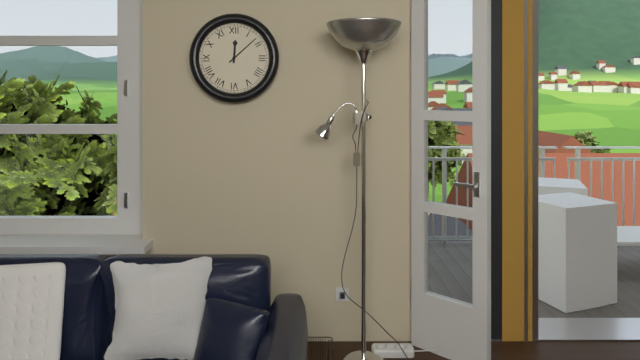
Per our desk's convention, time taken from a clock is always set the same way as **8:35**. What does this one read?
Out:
**12:08**
